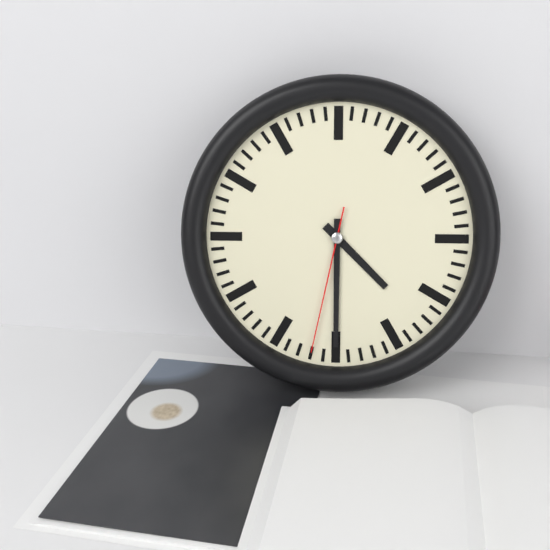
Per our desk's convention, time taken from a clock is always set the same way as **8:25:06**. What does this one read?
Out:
**4:30:32**
